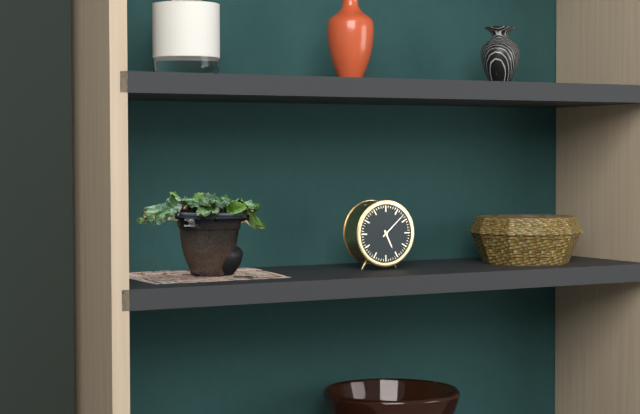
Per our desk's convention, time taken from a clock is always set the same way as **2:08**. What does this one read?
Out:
**5:08**
